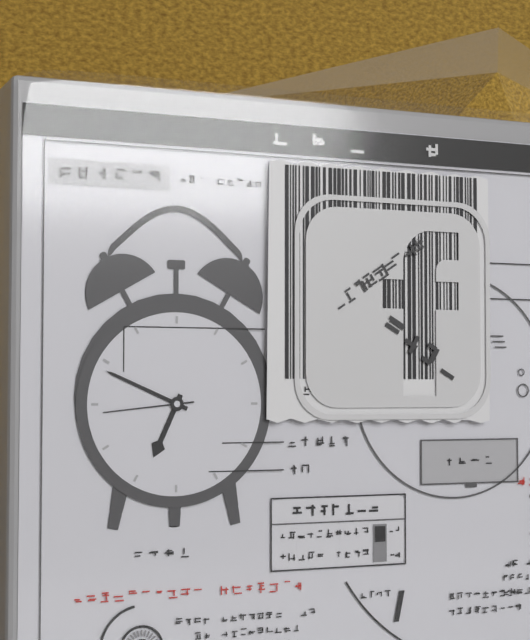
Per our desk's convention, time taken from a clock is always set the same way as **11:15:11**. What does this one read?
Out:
**6:49:44**
